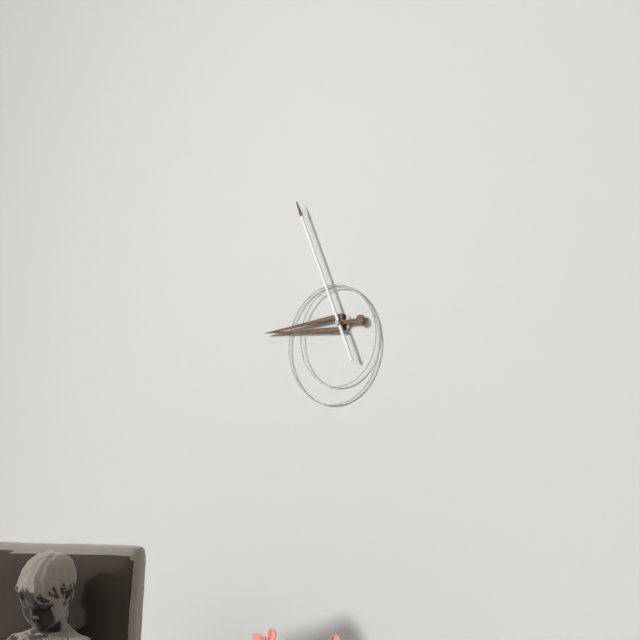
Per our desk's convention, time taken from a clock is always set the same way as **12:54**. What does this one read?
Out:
**8:56**
